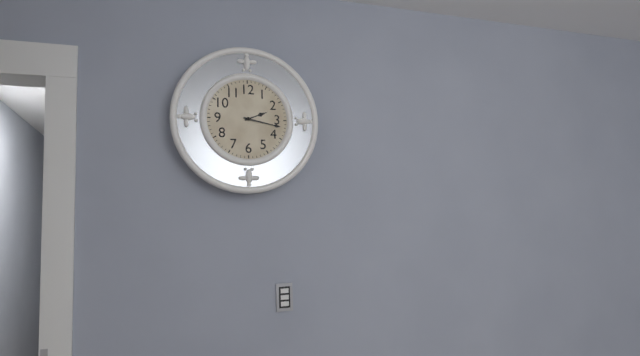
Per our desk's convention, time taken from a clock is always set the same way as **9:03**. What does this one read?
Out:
**2:17**
